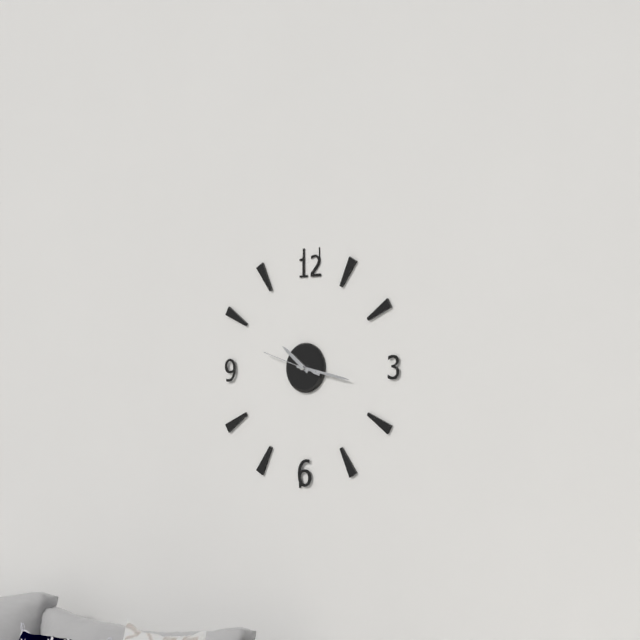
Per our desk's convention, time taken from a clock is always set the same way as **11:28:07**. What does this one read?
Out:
**10:17:48**
